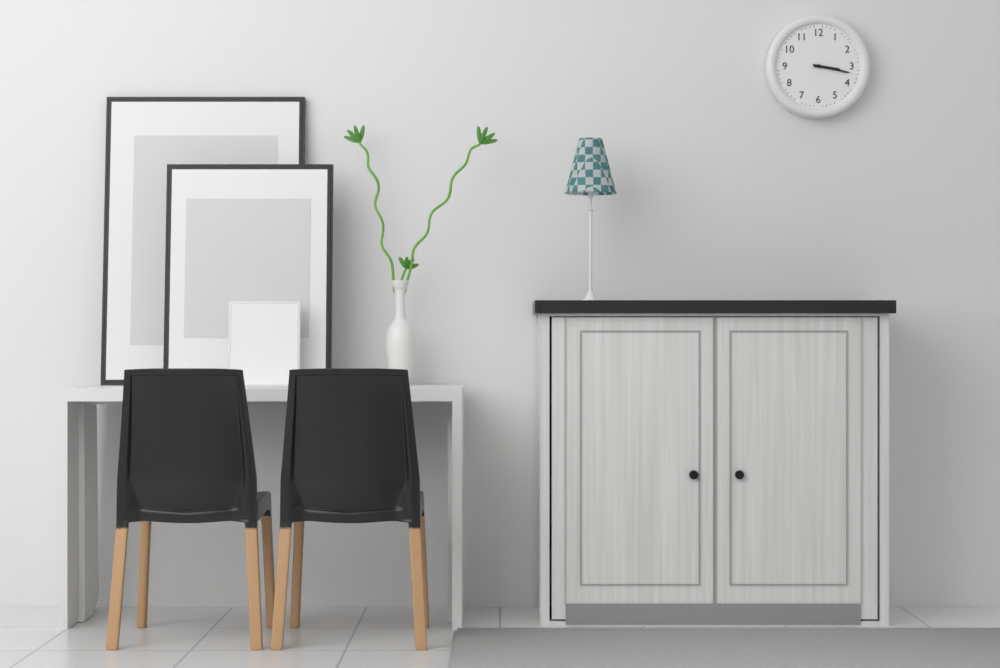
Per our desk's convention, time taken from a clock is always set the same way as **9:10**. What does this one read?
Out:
**3:17**
